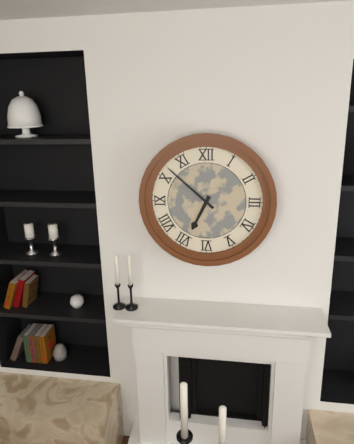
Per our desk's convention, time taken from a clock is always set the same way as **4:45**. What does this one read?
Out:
**6:52**
